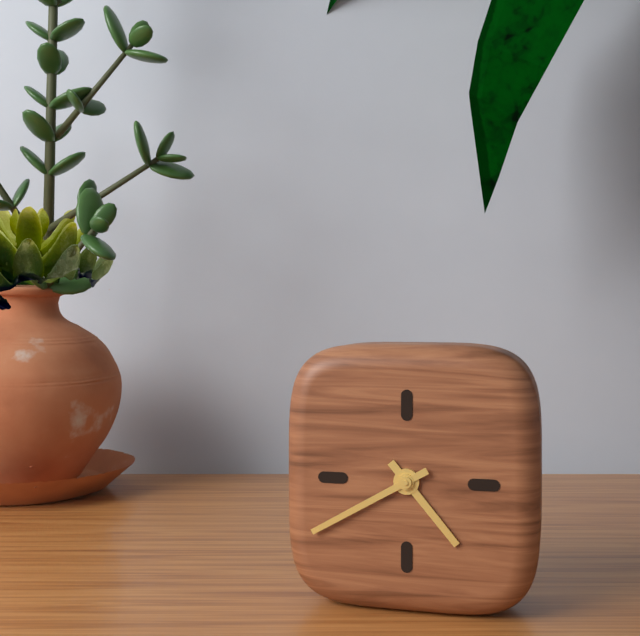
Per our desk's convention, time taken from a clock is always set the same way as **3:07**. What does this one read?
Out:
**4:40**
